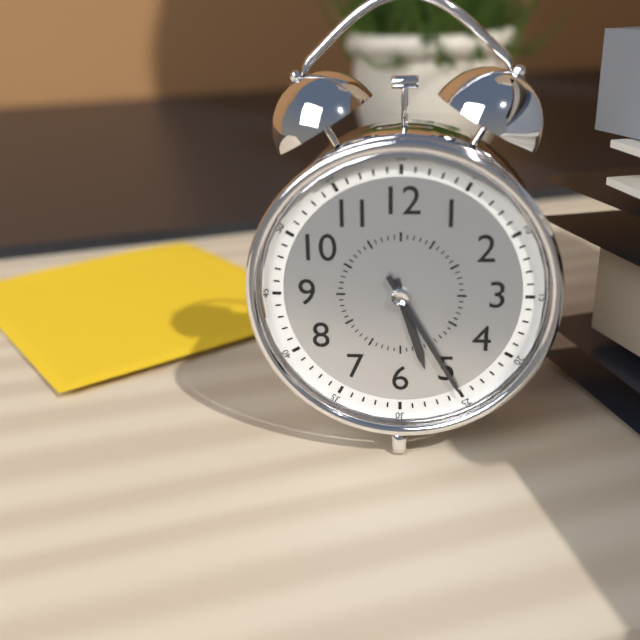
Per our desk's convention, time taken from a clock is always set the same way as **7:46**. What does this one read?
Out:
**5:25**
